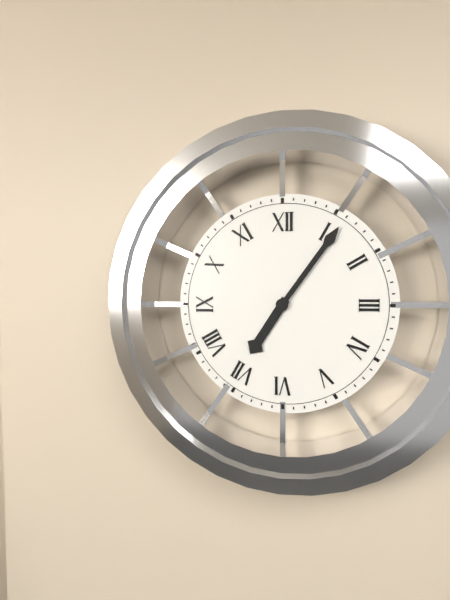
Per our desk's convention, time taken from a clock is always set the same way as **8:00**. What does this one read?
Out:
**7:06**
